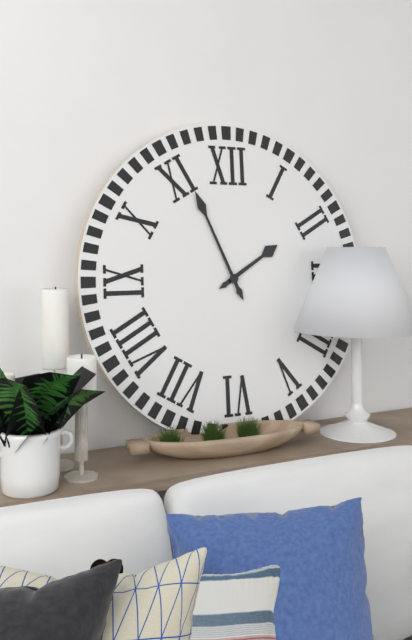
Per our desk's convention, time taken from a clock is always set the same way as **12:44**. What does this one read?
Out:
**1:56**
